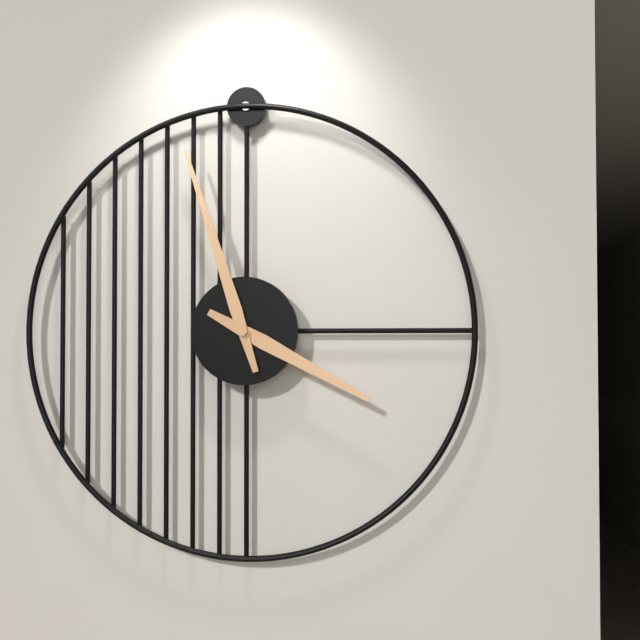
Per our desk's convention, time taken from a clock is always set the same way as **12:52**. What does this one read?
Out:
**3:57**
